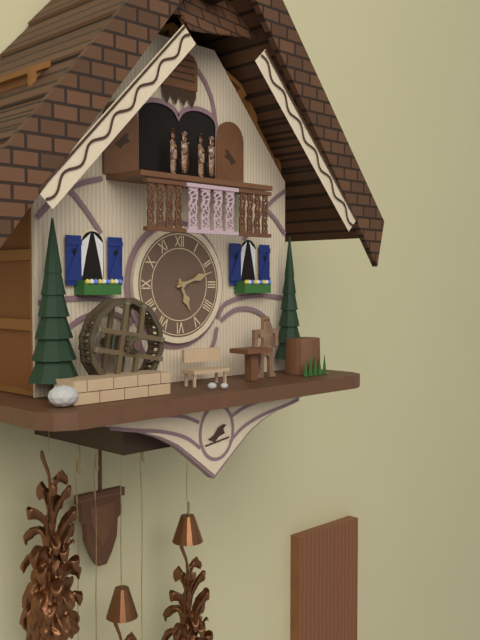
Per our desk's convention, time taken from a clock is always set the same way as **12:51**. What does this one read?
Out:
**5:12**
